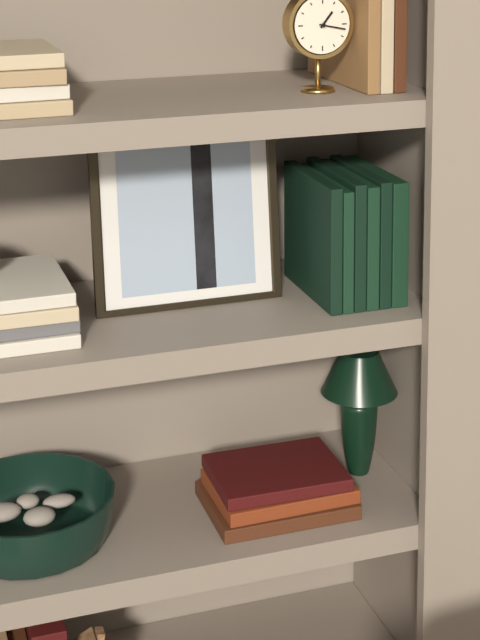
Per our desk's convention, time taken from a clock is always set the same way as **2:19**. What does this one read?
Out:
**1:17**
